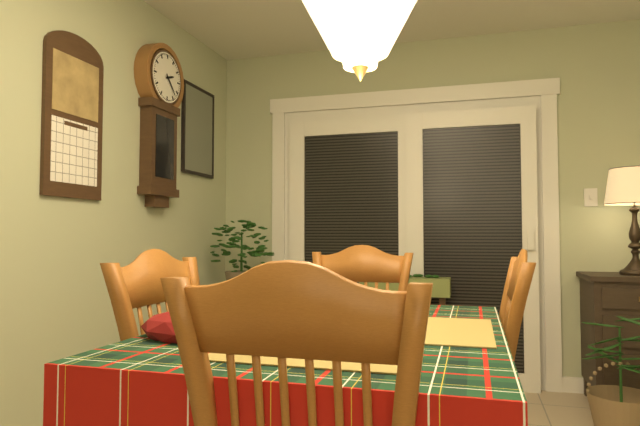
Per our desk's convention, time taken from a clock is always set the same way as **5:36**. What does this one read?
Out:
**2:23**
